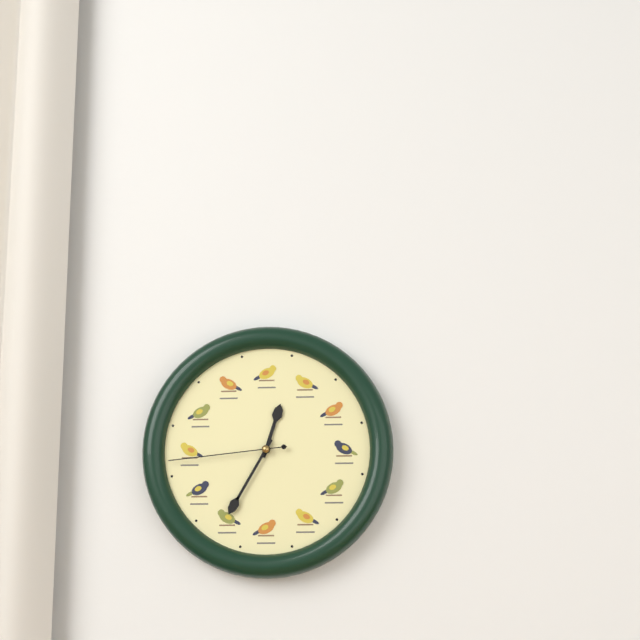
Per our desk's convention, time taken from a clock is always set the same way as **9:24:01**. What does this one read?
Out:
**12:35:44**
